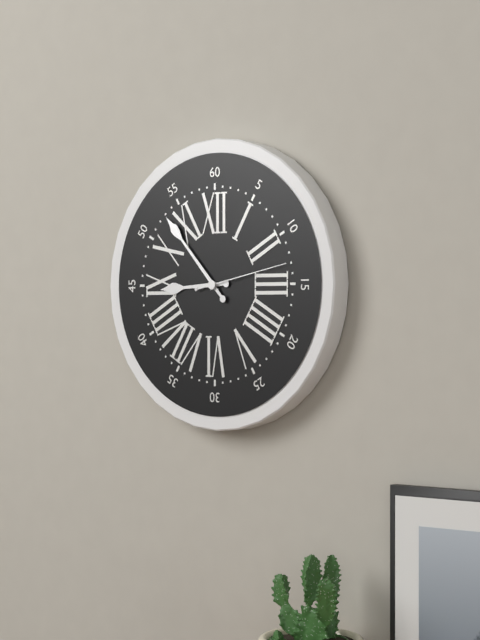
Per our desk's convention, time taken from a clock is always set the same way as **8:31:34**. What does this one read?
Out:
**8:53:13**
